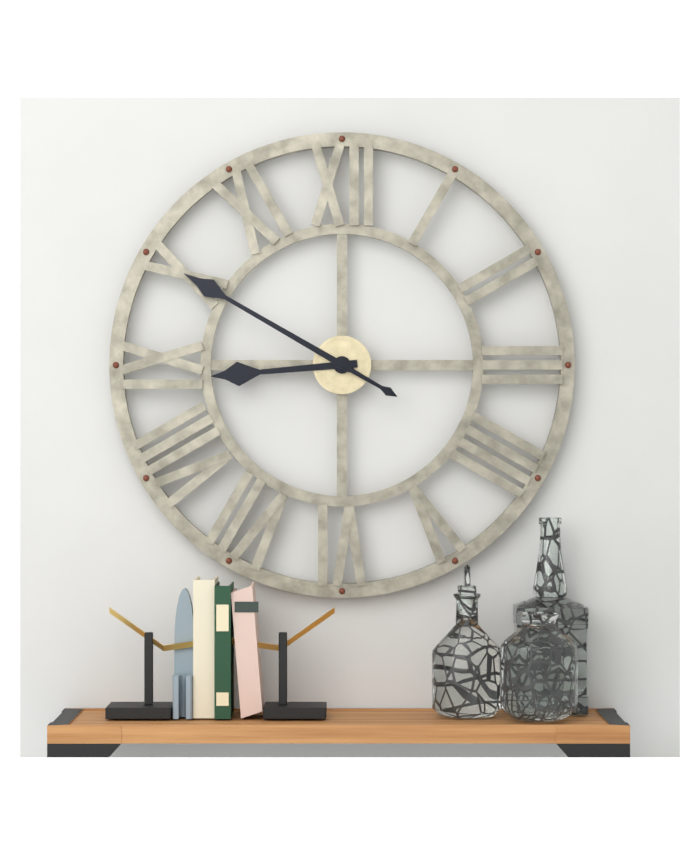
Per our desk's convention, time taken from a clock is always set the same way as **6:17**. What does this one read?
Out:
**8:50**
